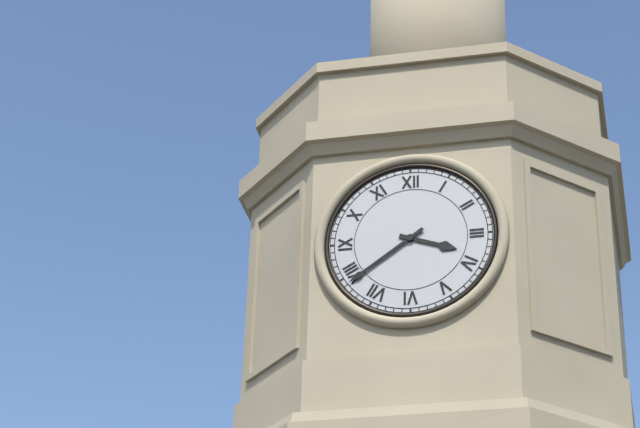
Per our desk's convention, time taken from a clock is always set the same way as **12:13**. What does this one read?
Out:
**3:39**
